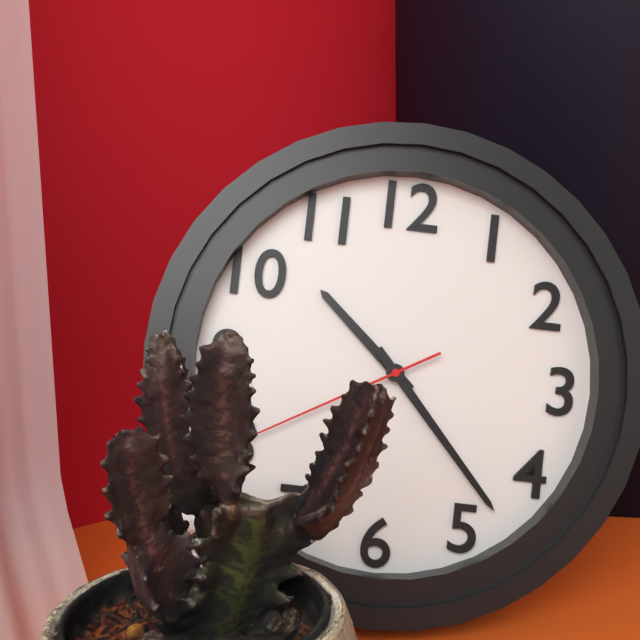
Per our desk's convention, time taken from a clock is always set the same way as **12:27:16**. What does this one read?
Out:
**10:23:40**
